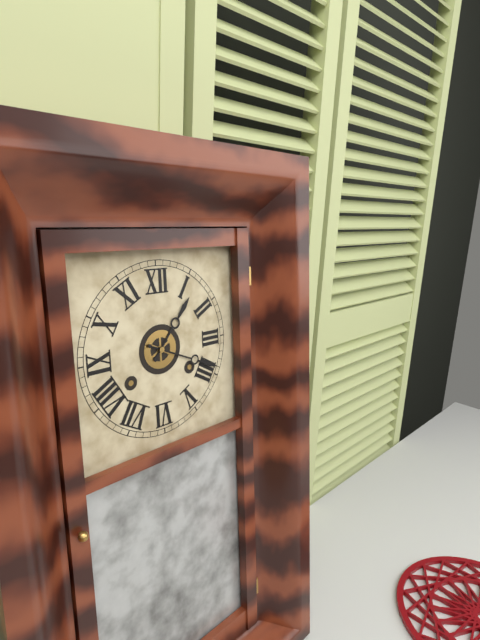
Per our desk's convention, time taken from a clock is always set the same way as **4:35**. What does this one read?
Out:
**1:19**
